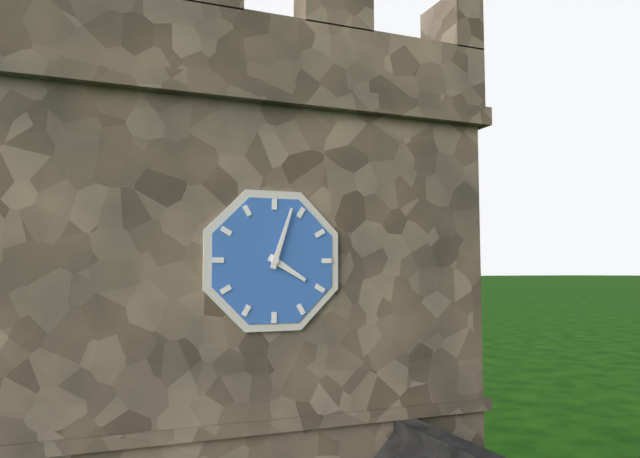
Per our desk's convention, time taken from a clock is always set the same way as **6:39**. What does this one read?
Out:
**4:03**
